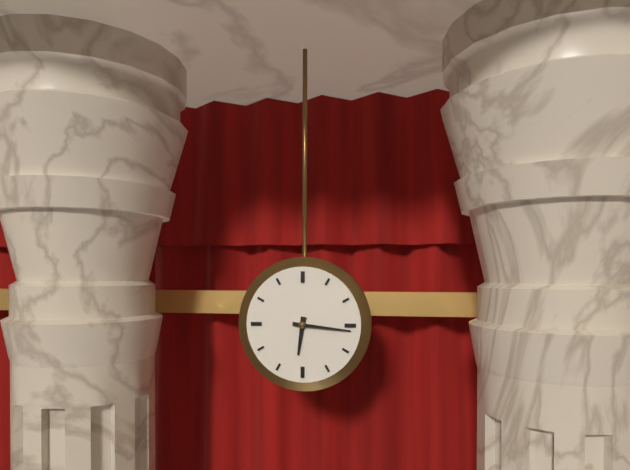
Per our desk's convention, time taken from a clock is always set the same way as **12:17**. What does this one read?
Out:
**6:16**
